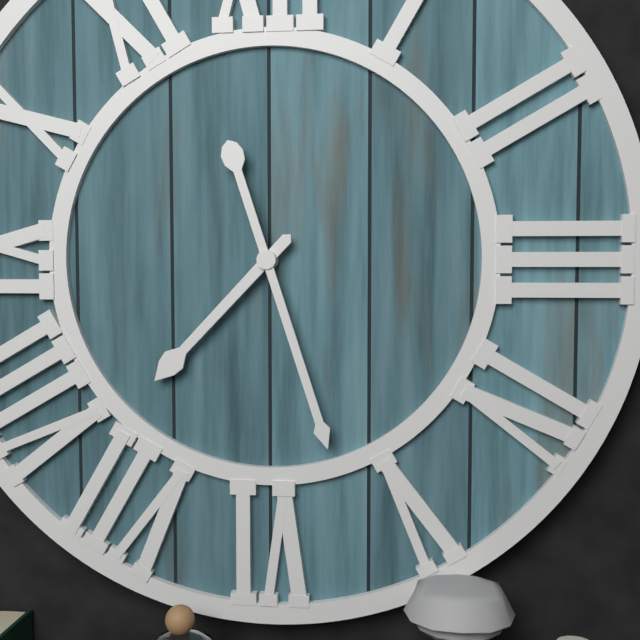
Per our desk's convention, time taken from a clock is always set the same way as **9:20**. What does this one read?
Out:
**7:27**
